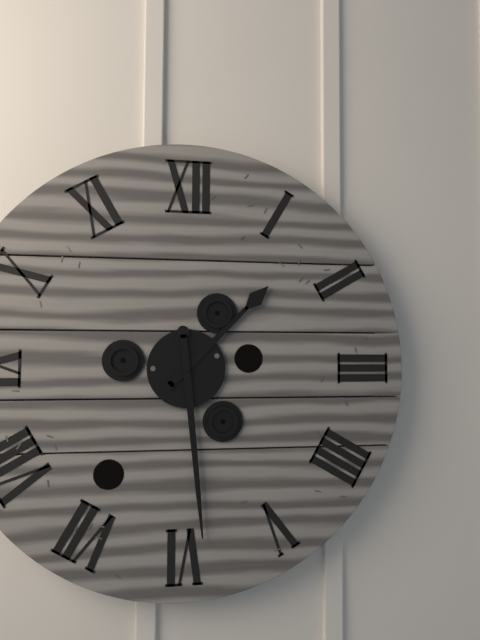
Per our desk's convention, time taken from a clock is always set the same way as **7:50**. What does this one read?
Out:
**1:29**
